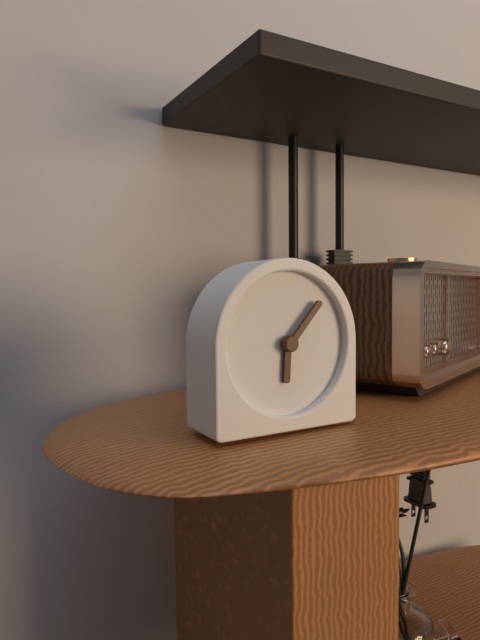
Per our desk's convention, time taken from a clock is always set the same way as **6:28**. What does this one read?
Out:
**6:07**
